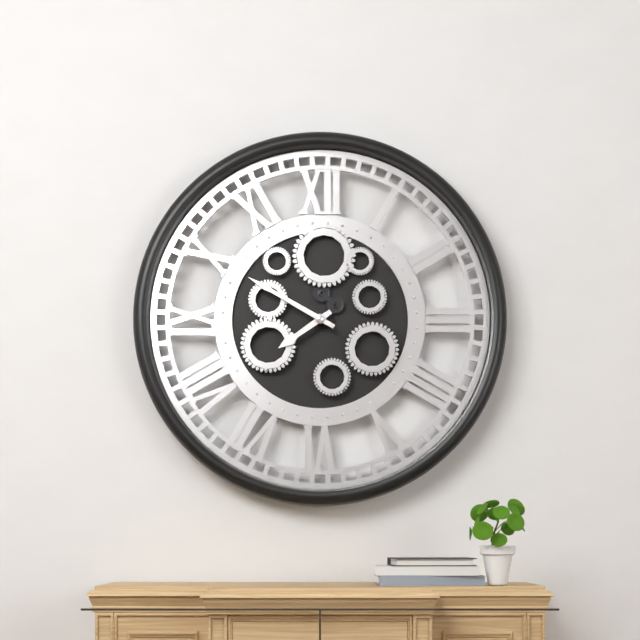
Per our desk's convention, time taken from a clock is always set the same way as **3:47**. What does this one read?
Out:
**7:50**
